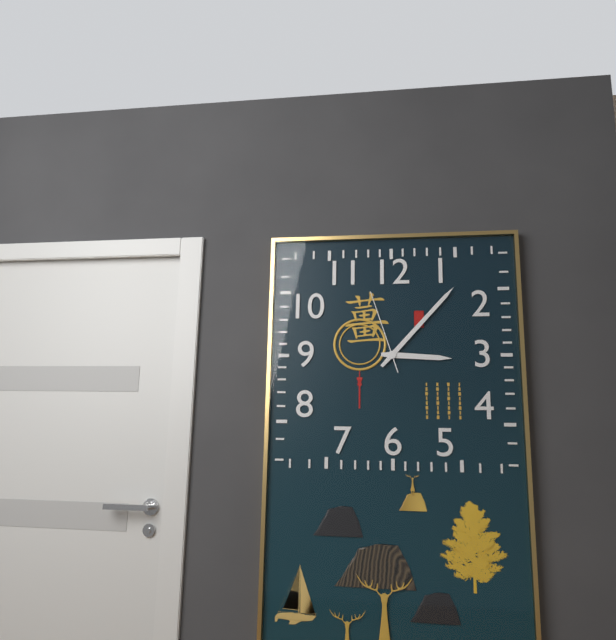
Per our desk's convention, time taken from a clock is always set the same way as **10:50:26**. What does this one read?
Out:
**3:07:57**
